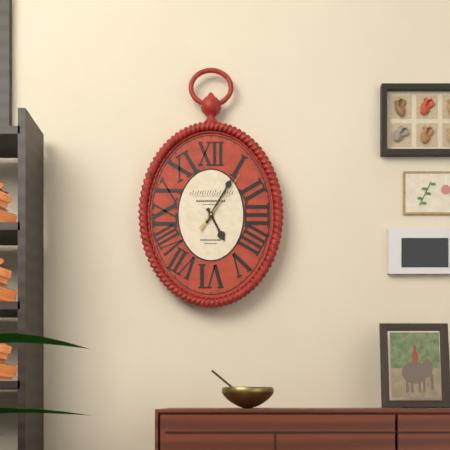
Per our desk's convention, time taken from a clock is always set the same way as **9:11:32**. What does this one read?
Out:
**5:05:06**
